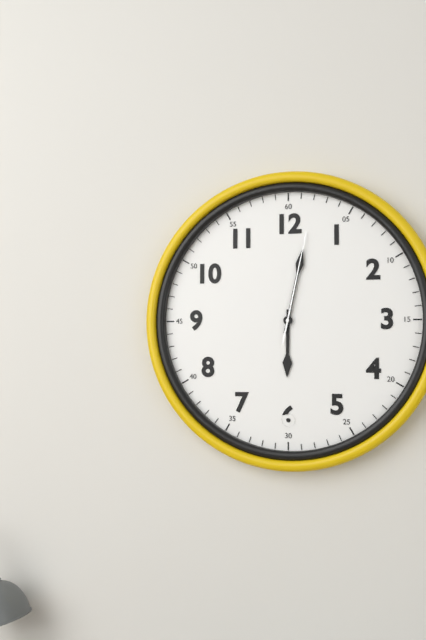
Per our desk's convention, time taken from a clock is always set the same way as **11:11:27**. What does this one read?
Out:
**6:02:02**
